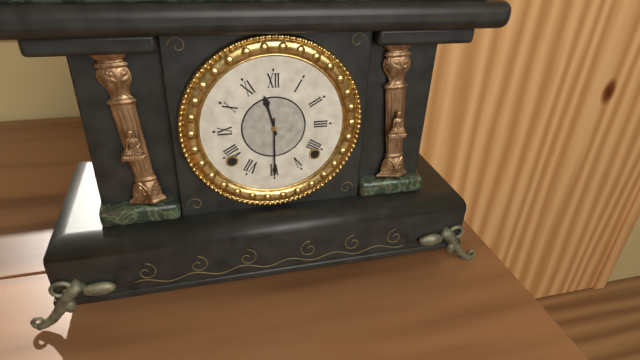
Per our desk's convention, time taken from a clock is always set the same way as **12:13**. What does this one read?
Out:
**11:30**
